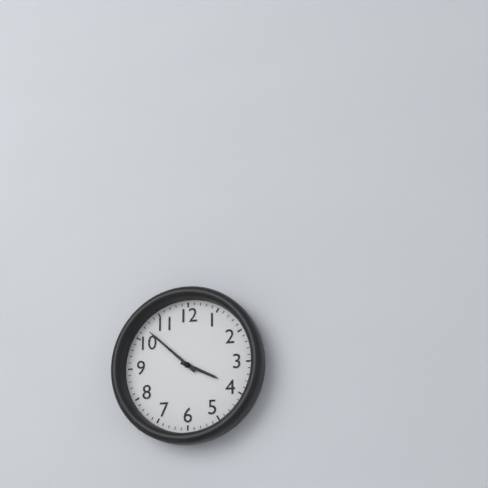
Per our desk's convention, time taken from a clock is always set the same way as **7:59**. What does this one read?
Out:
**3:52**
